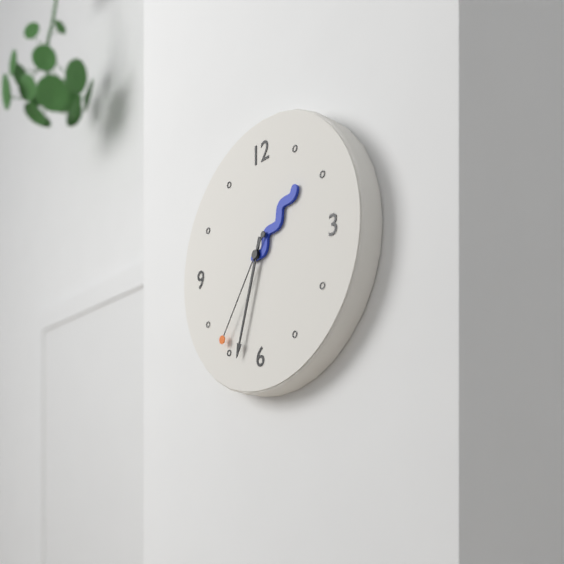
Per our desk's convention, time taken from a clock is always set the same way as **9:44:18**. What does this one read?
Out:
**1:33:36**
